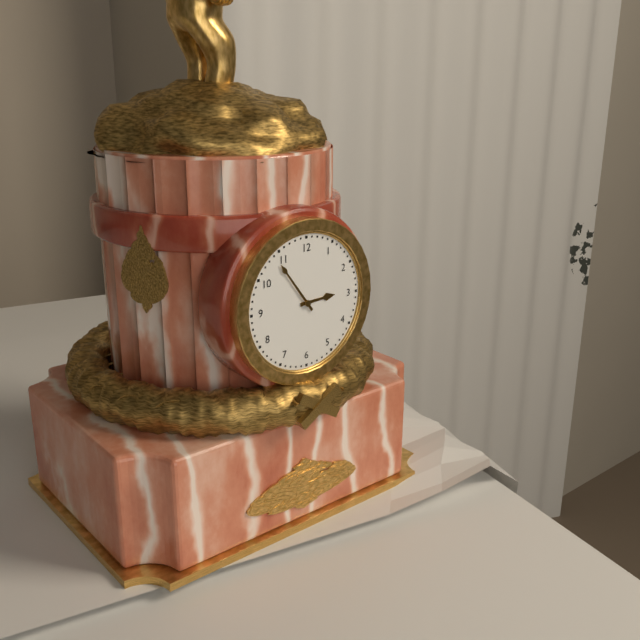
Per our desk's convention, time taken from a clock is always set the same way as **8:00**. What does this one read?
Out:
**2:54**
